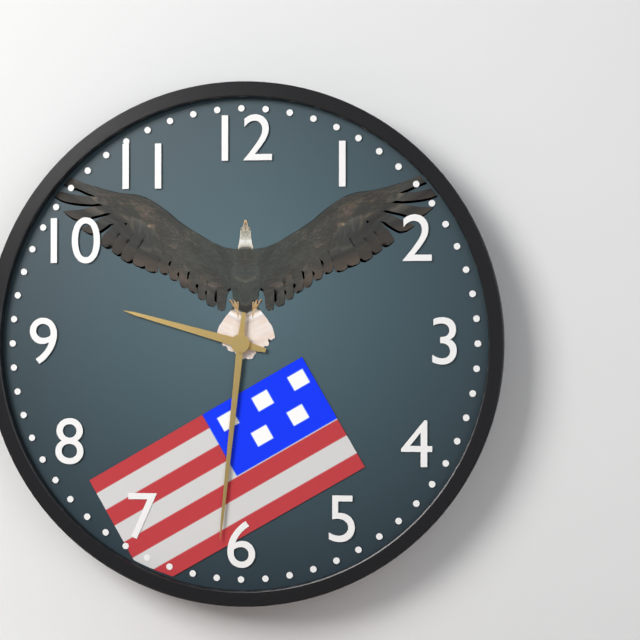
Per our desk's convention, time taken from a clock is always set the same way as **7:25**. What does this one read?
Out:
**9:31**
